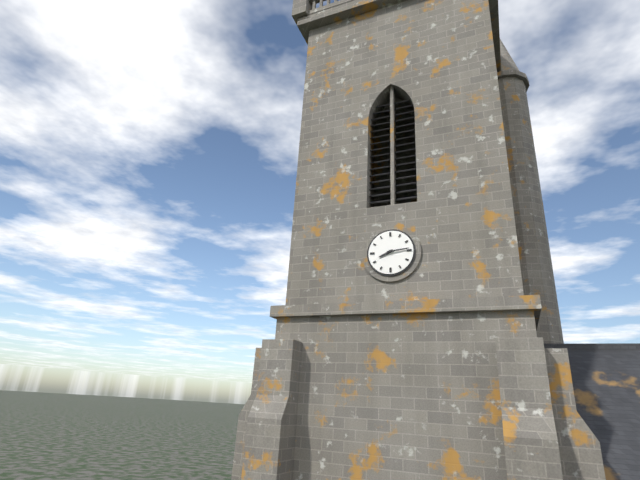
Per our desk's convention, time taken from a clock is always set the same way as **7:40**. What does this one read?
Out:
**8:14**
